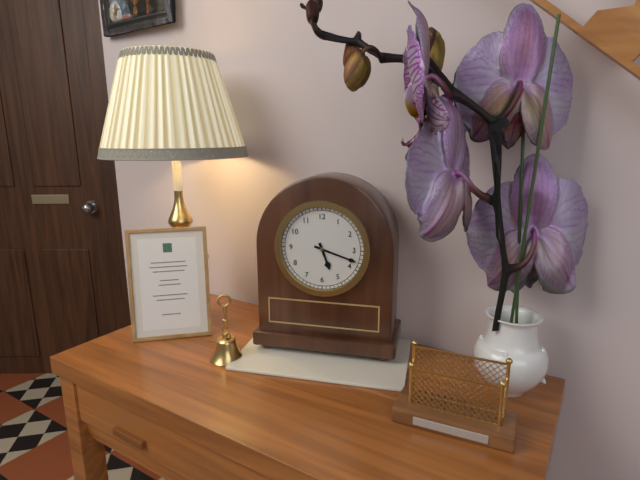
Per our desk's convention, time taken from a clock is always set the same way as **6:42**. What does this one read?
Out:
**5:18**
